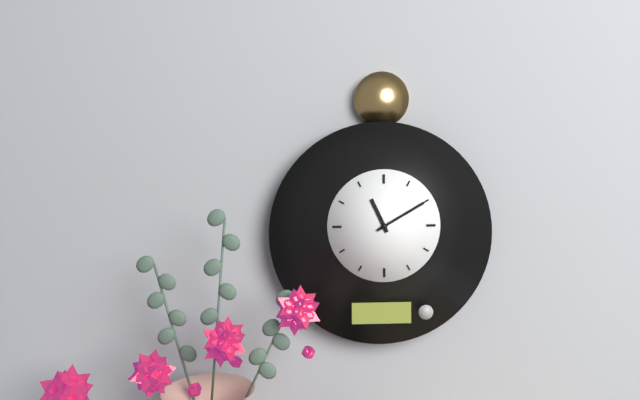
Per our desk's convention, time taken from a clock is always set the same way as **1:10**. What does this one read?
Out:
**11:10**
